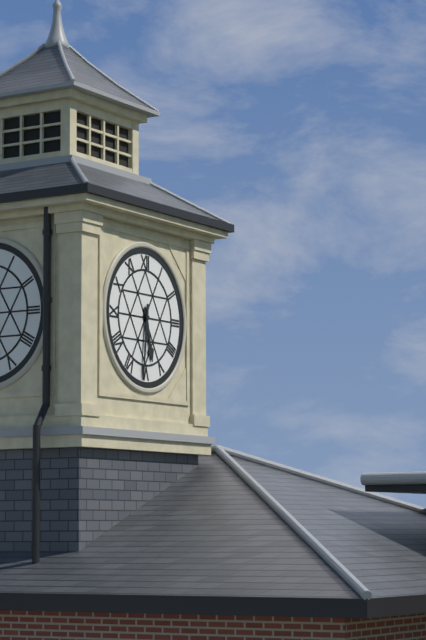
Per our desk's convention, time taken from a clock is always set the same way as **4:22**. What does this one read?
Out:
**5:31**
